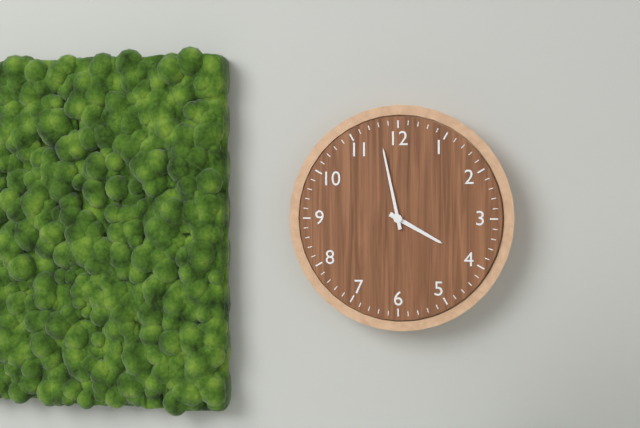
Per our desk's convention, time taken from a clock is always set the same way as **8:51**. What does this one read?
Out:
**3:58**
